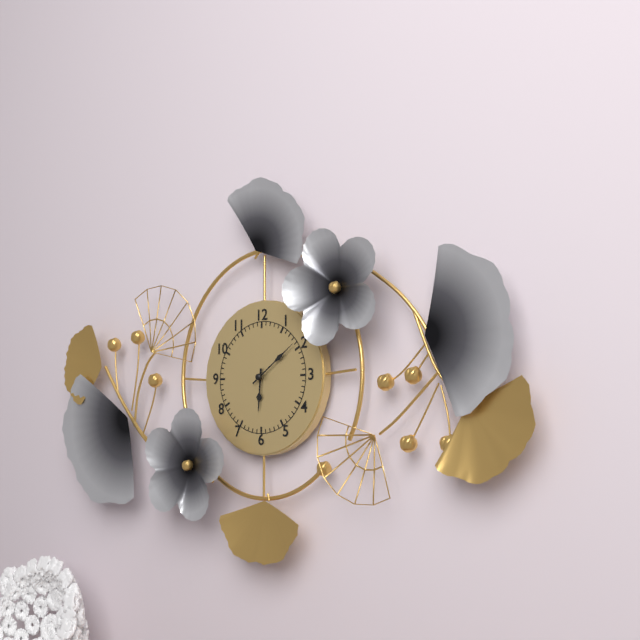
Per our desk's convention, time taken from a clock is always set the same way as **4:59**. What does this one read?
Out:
**6:09**
